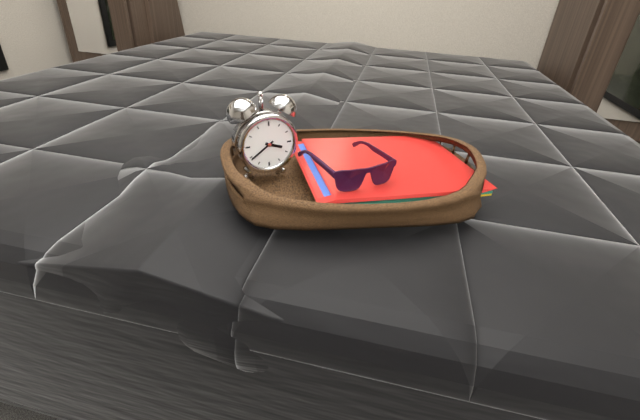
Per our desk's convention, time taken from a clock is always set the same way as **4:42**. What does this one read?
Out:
**3:39**
